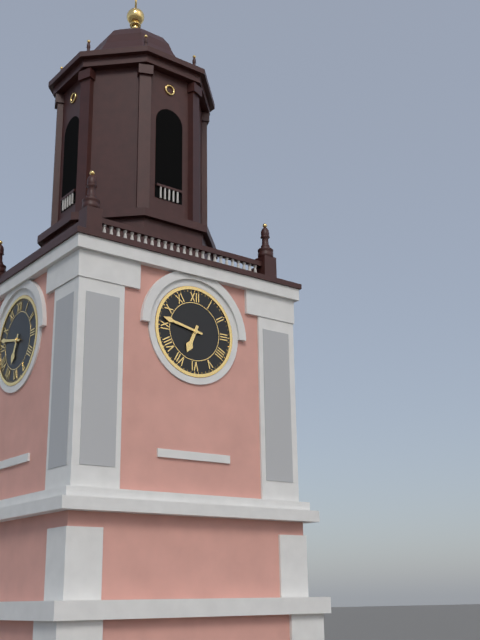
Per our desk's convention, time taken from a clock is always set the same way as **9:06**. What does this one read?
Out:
**6:47**
